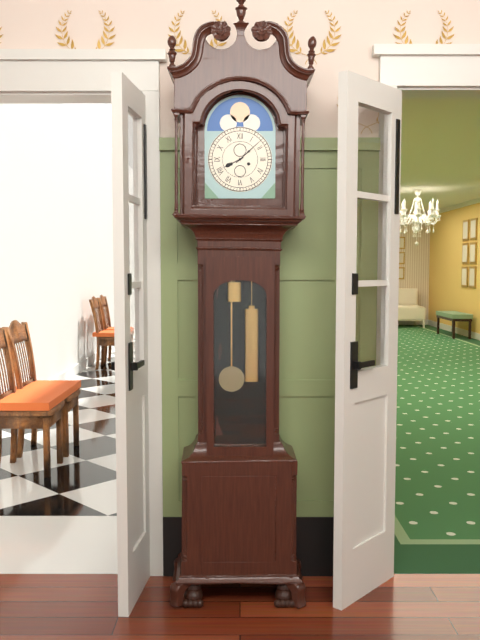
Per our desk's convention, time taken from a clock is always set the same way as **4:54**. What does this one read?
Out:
**8:08**
